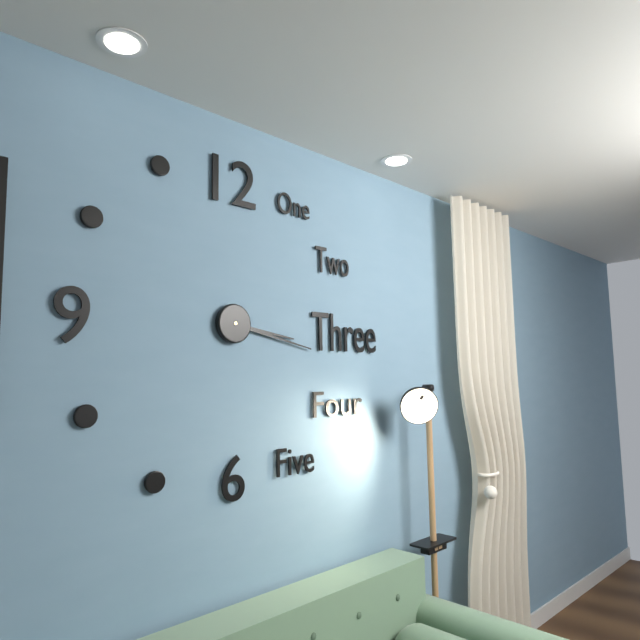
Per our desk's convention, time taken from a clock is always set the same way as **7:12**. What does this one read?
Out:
**3:17**
